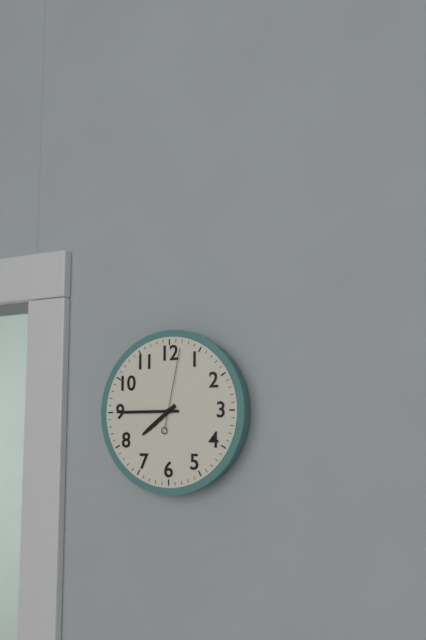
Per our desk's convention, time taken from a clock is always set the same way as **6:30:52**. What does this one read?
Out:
**7:45:02**
